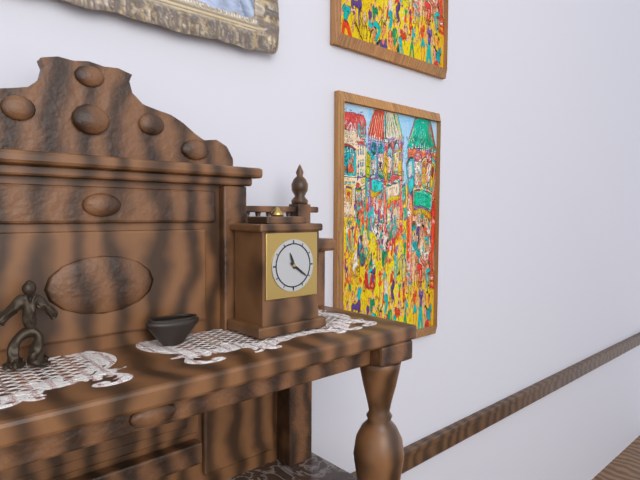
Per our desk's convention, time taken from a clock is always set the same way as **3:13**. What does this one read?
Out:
**11:21**
